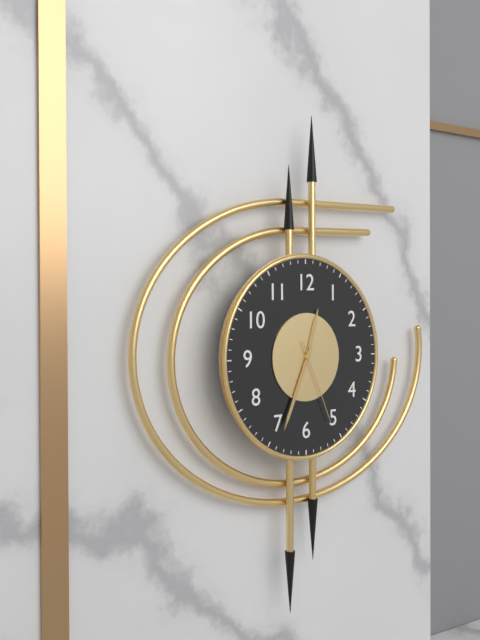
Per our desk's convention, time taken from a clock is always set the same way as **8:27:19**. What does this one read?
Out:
**12:34:26**
